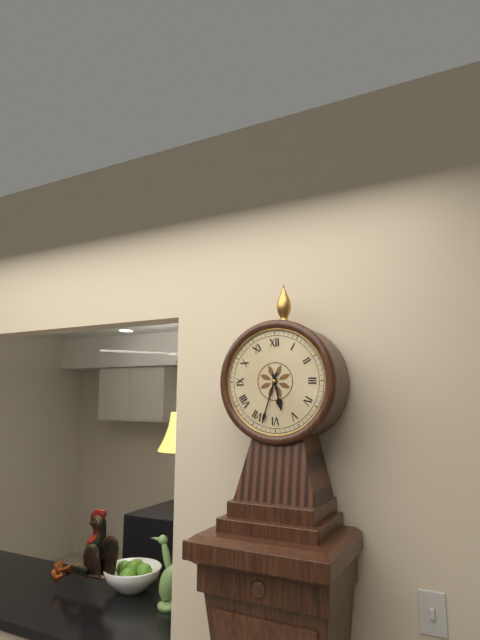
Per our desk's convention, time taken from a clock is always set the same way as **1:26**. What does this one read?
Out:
**5:33**
